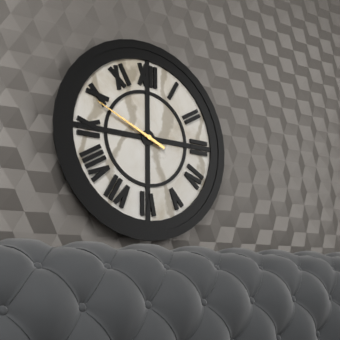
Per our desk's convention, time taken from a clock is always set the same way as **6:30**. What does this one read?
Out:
**9:49**
